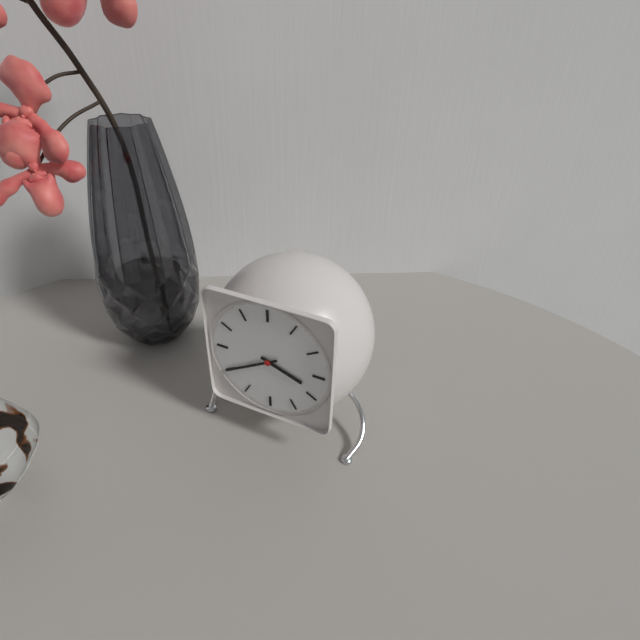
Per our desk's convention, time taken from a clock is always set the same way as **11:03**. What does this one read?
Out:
**3:40**
